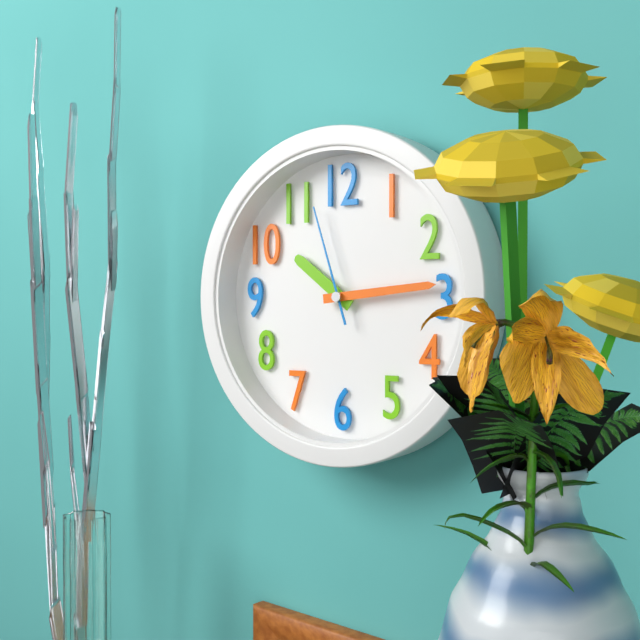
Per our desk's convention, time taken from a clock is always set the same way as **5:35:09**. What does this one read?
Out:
**10:14:57**
